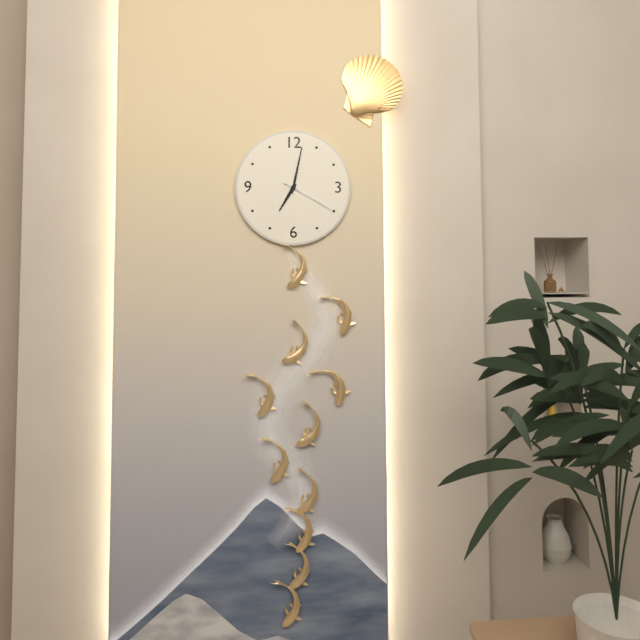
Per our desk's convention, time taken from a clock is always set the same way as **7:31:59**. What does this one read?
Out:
**7:02:20**
